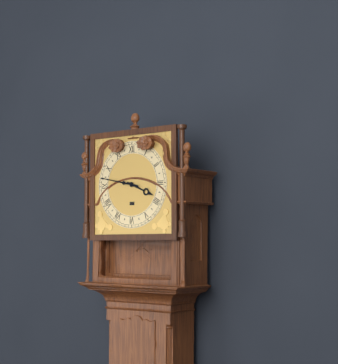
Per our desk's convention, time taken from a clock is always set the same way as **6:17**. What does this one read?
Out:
**3:47**
